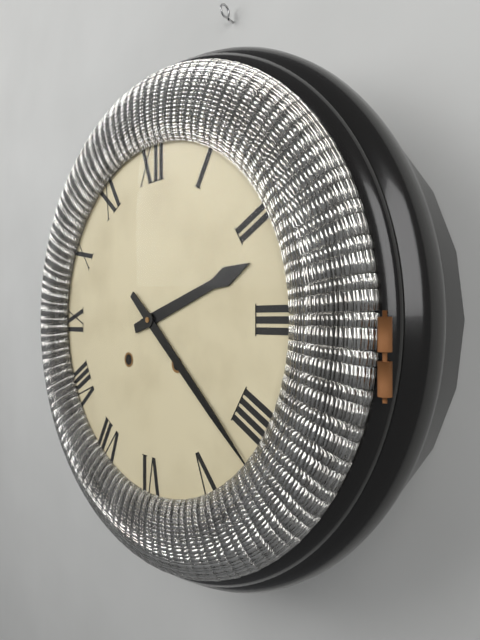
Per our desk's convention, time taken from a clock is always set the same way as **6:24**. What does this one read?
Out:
**2:22**
